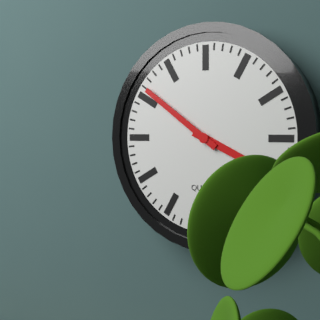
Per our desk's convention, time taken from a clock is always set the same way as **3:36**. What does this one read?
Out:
**3:51**
